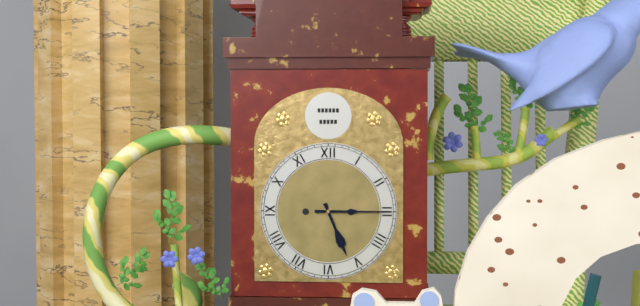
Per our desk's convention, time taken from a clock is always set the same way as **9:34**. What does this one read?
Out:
**5:15**
